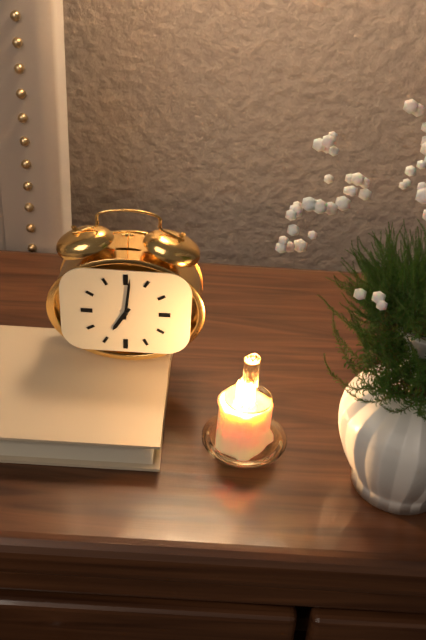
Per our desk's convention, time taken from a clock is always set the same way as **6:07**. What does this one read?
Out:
**7:01**
